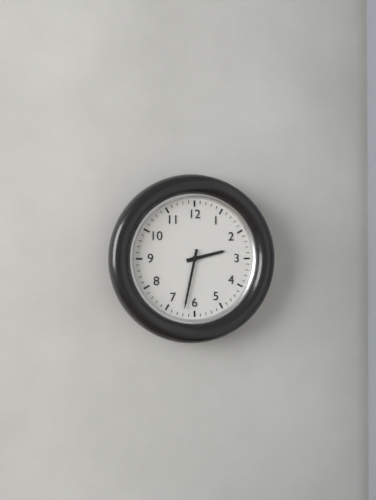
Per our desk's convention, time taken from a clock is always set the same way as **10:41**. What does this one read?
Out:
**2:32**
